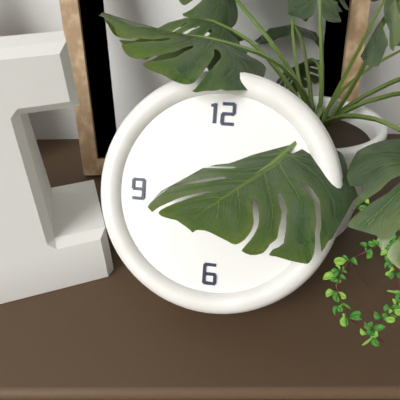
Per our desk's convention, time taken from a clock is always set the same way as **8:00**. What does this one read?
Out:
**8:11**
